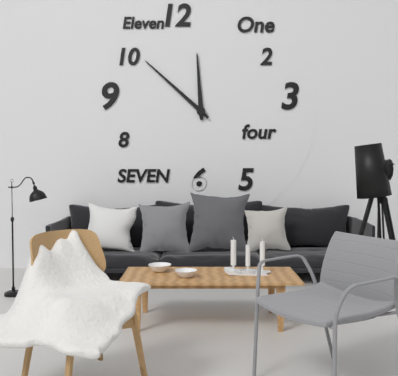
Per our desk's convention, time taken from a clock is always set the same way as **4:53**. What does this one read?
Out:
**11:52**
